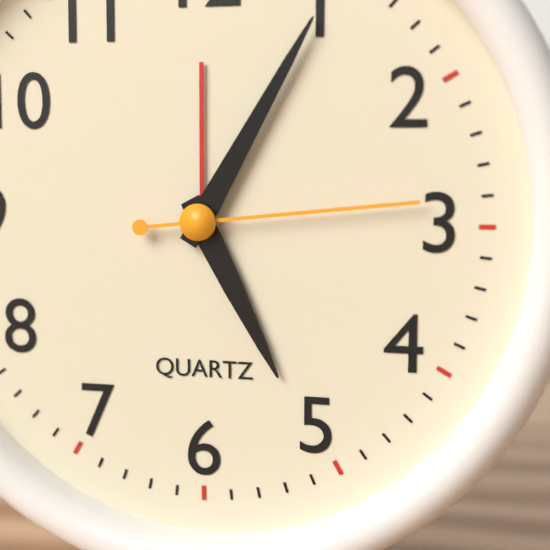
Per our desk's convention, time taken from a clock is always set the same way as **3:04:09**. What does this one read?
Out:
**5:05:14**
